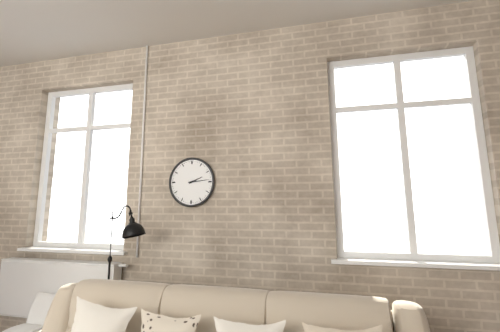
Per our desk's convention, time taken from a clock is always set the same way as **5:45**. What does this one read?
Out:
**2:14**
